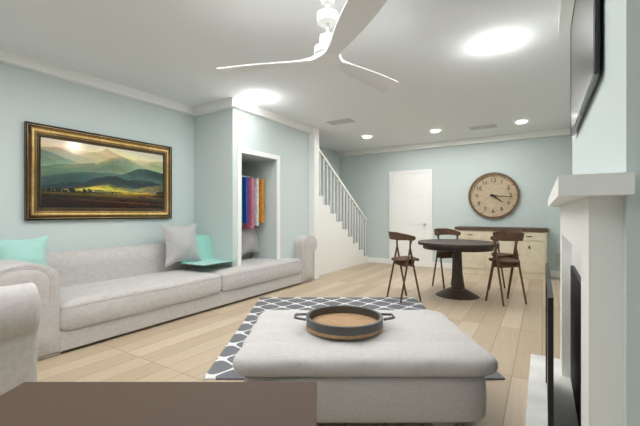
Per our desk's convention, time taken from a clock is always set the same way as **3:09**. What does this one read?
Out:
**4:16**
